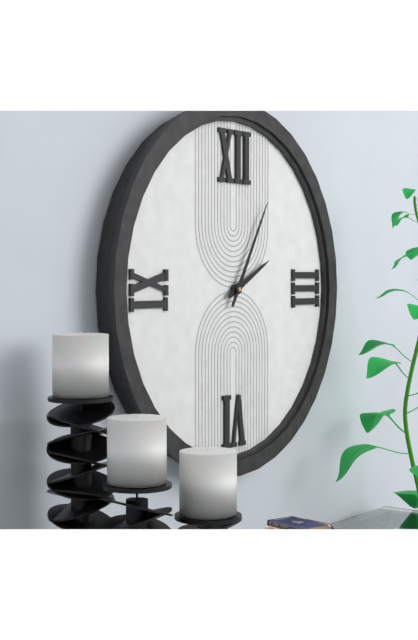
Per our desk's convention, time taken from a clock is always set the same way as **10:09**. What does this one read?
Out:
**2:05**
